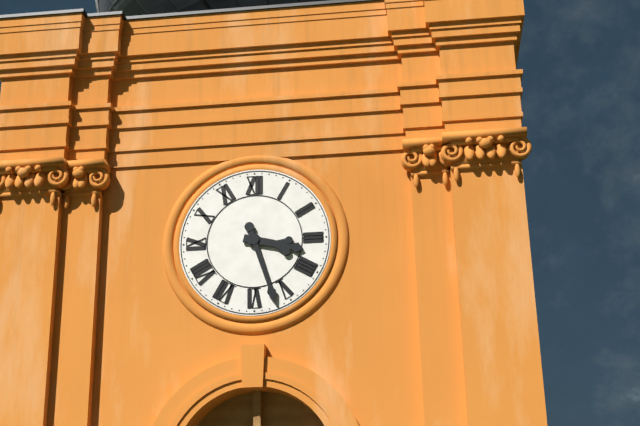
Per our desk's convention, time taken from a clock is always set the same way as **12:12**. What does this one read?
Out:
**3:27**
